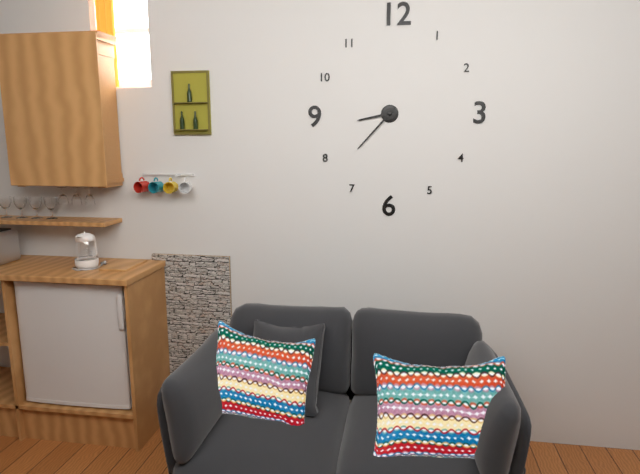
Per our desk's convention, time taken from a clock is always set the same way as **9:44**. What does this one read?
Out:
**8:37**
